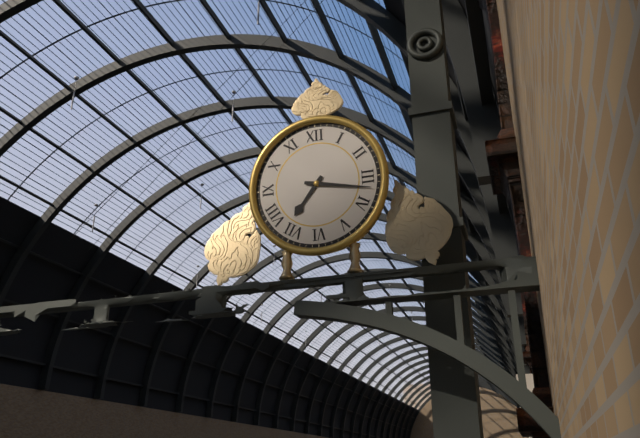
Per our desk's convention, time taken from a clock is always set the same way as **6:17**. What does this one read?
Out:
**7:17**
